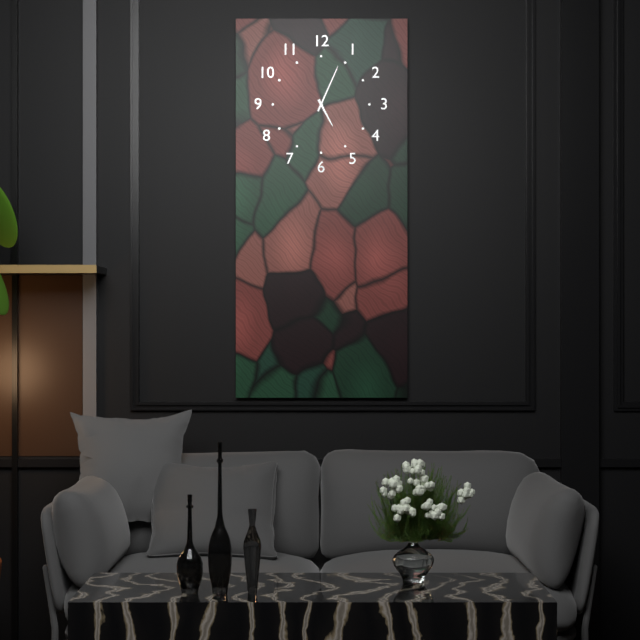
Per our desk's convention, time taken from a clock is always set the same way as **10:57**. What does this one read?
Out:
**5:04**
